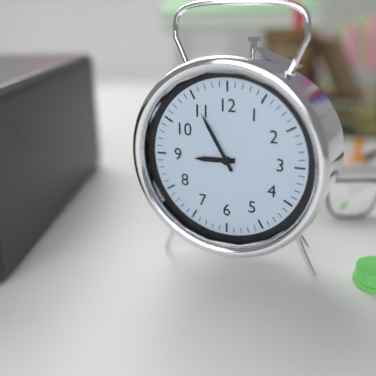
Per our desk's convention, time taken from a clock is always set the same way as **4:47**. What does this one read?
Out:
**8:55**
